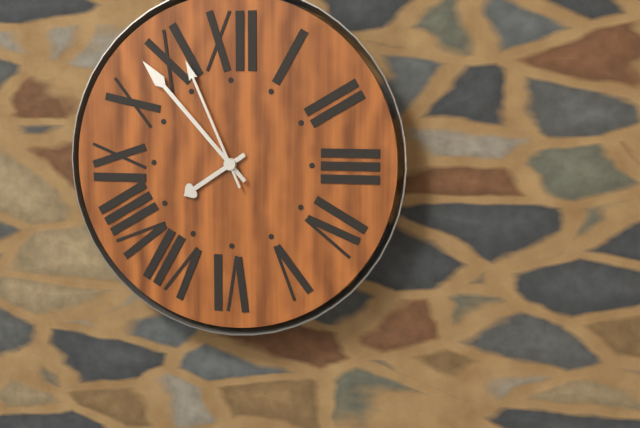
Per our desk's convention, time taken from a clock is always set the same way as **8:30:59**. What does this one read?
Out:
**7:53:56**
